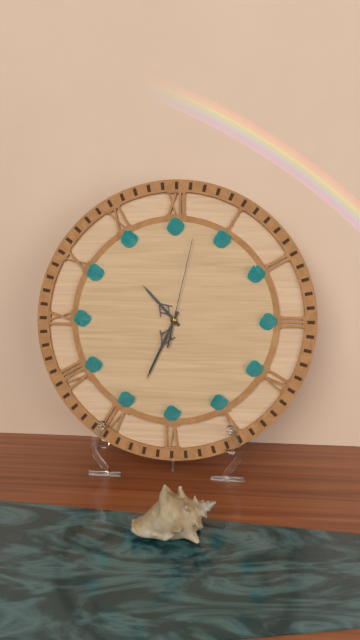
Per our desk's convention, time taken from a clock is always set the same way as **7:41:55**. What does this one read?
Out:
**10:34:02**
